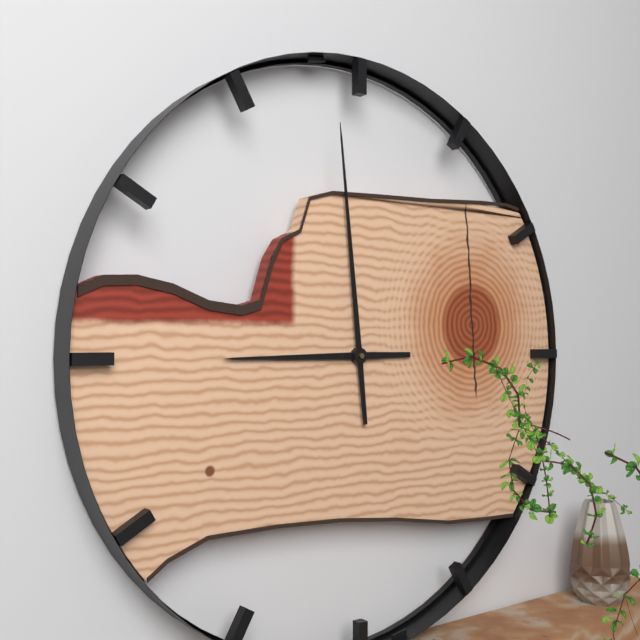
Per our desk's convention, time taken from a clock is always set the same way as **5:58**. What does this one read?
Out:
**8:59**
